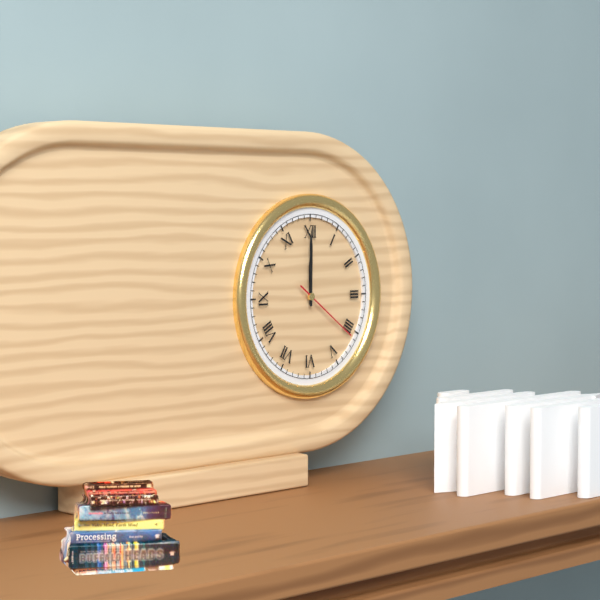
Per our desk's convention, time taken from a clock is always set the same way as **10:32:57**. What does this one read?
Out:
**12:00:21**
